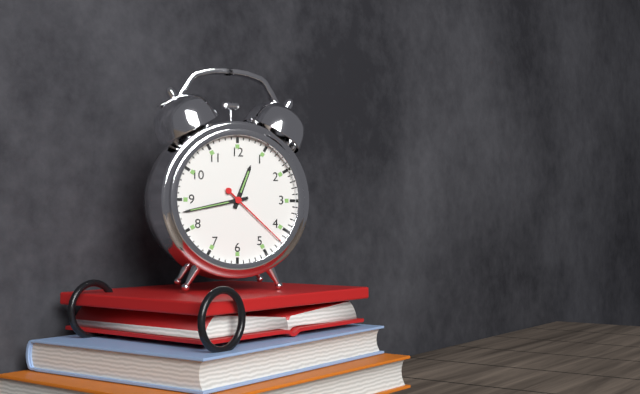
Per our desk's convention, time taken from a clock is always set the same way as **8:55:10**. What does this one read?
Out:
**12:43:22**
